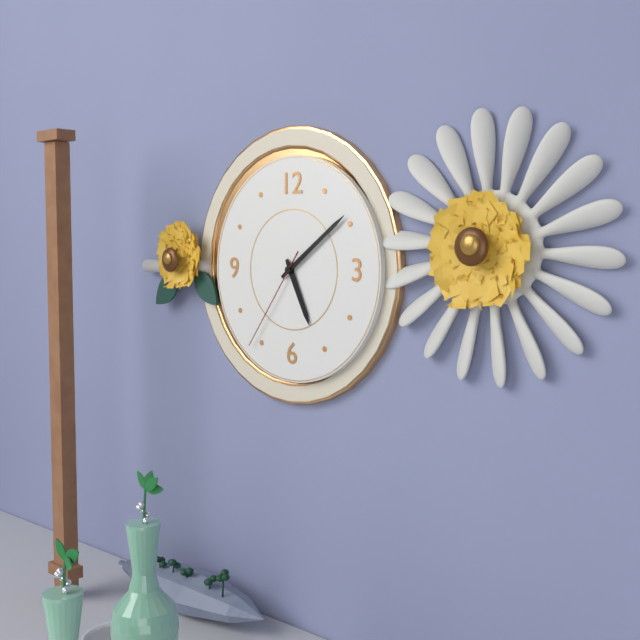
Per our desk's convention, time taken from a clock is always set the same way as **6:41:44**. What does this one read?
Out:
**5:09:36**
